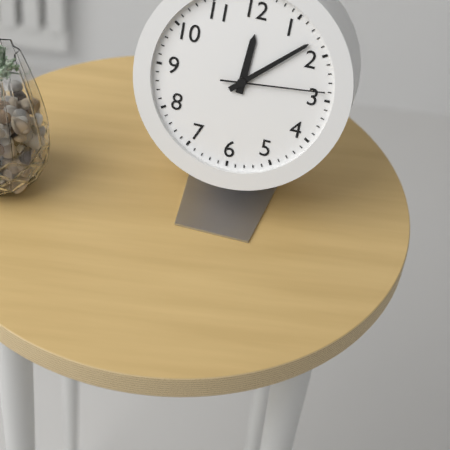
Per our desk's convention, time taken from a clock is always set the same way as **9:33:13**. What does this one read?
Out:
**12:08:14**
